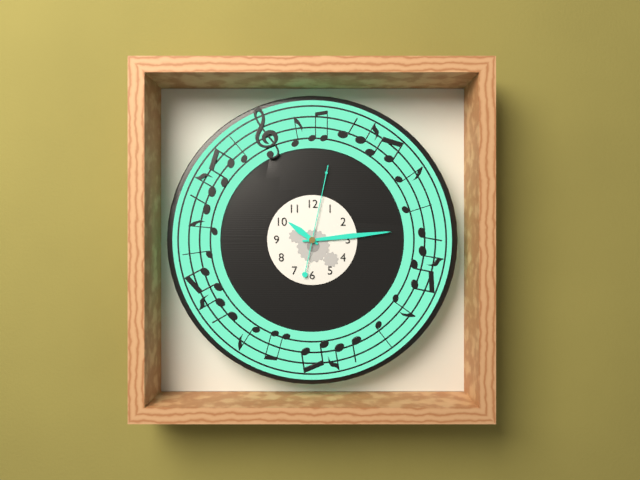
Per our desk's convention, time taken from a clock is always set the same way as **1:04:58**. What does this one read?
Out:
**10:14:02**
